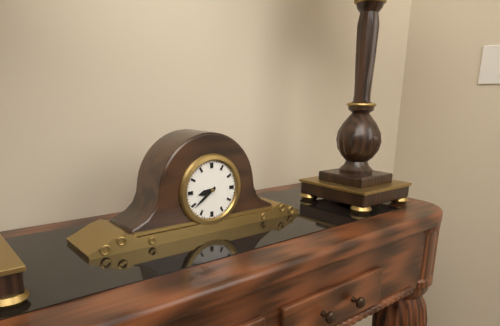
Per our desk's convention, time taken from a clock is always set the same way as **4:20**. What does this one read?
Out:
**8:39**
